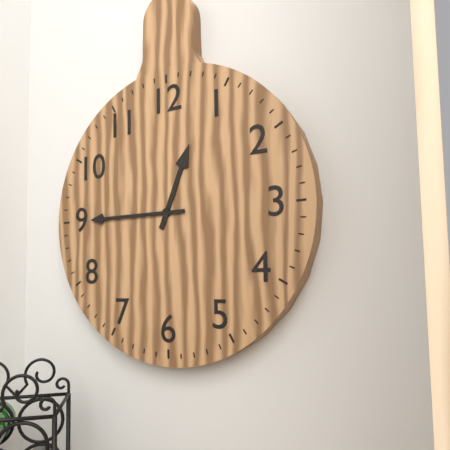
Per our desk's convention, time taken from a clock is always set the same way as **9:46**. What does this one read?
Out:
**12:45**
